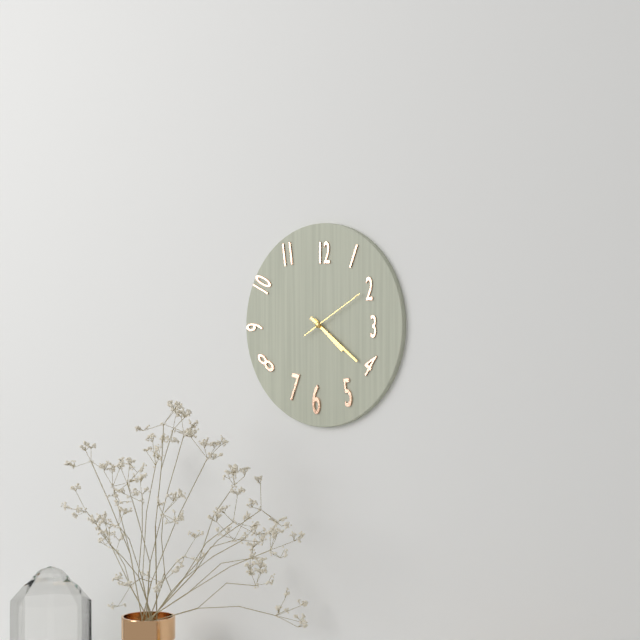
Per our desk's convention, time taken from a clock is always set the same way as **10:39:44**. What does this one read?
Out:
**4:21:10**
